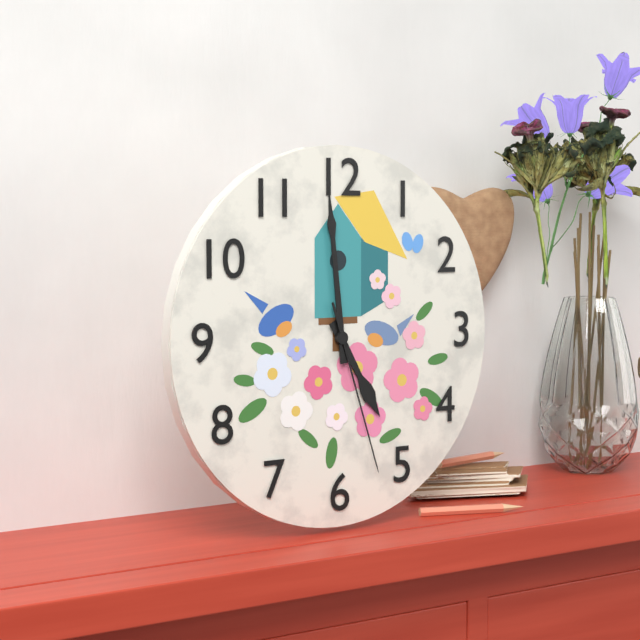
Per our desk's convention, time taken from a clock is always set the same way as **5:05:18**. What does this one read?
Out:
**4:59:27**
